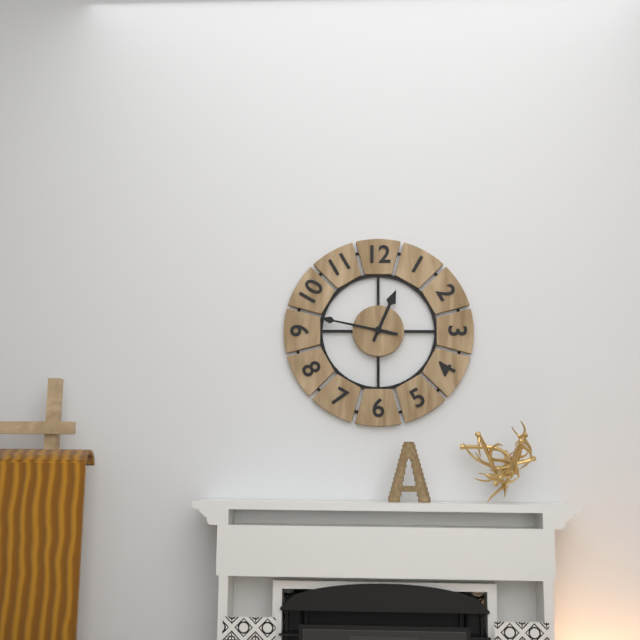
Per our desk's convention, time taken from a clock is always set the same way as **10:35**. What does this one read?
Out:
**12:47**
